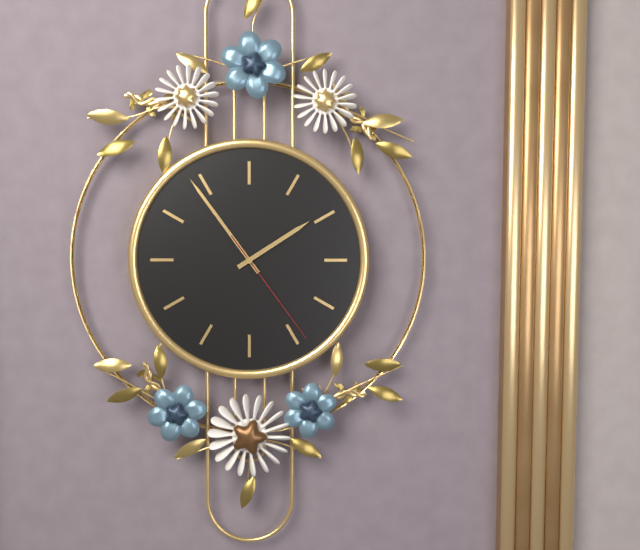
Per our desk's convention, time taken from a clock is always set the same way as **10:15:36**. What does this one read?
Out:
**1:54:24**
